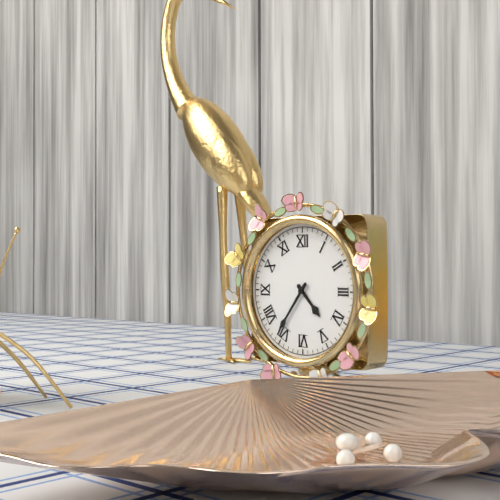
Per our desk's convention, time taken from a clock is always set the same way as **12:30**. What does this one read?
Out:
**4:36**
